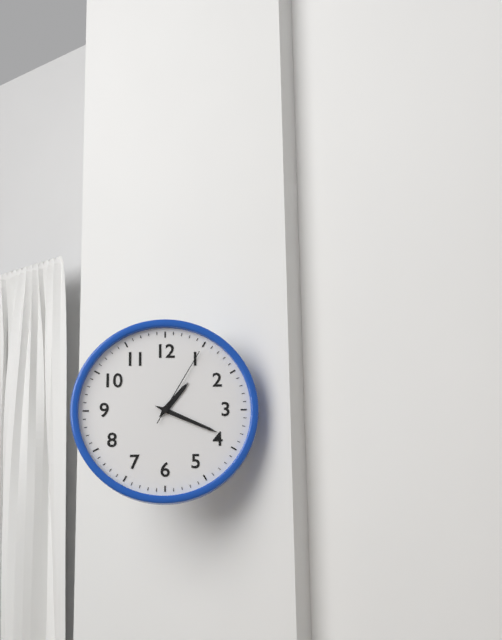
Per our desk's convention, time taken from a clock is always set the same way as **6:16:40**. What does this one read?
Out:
**1:19:05**
